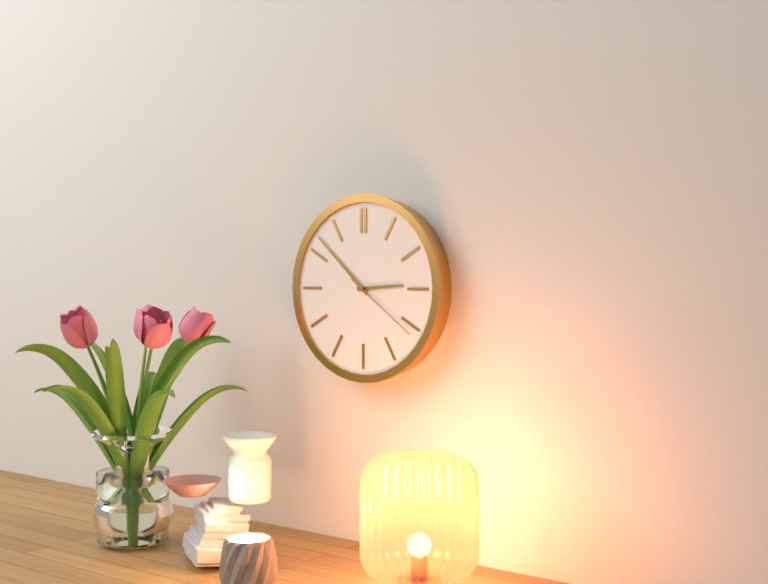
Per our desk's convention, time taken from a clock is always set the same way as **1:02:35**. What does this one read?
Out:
**2:52:21**
